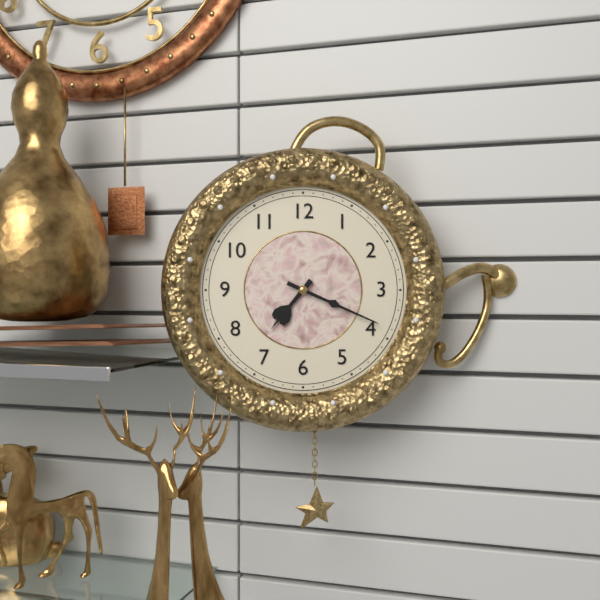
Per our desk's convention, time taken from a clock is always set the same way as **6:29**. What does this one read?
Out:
**7:19**
